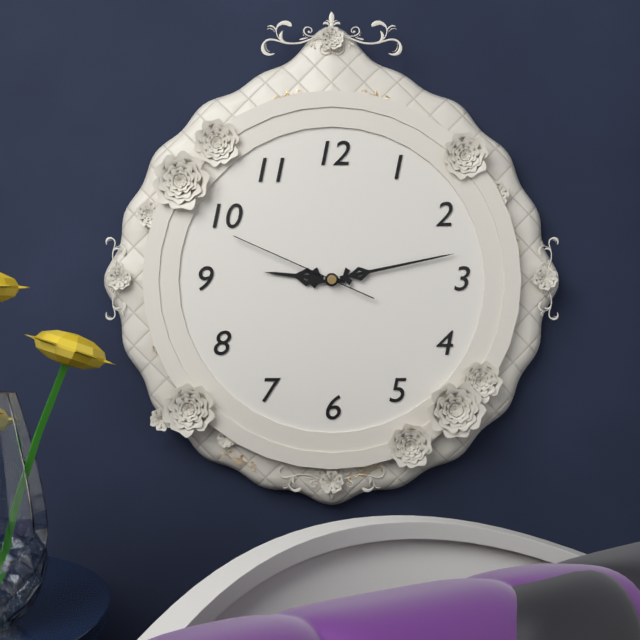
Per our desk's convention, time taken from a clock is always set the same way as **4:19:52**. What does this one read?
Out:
**9:13:49**
